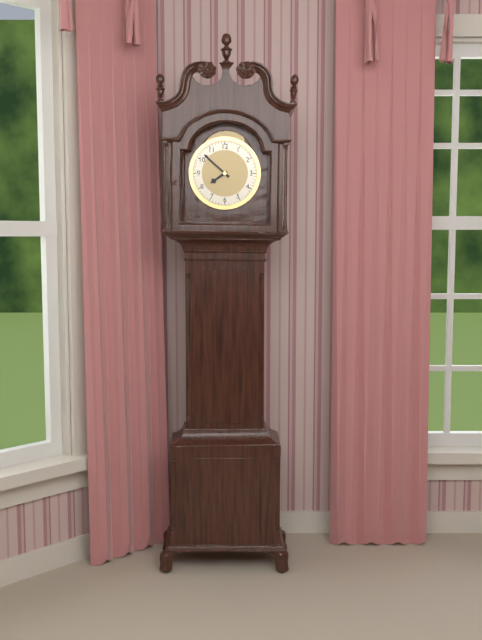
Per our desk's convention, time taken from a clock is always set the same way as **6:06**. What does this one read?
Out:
**7:52**
